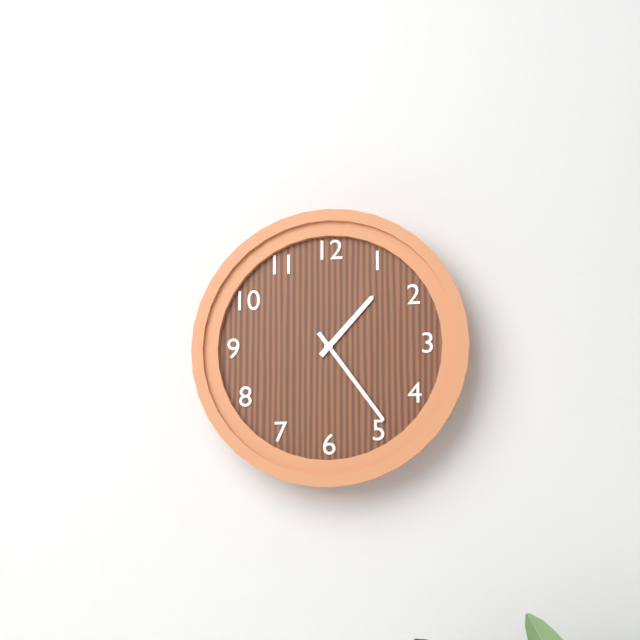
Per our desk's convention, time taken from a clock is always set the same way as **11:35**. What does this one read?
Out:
**1:24**
